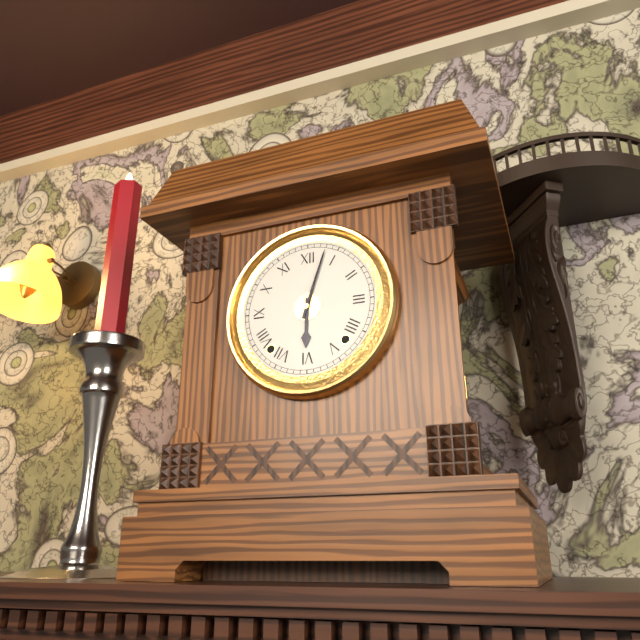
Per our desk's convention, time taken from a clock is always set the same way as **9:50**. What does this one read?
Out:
**6:03**
